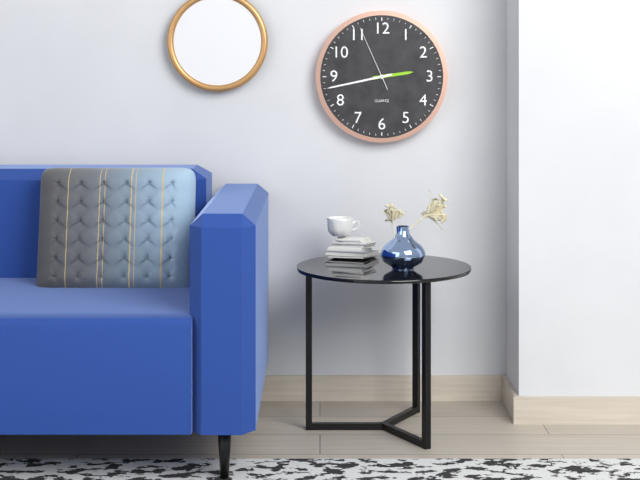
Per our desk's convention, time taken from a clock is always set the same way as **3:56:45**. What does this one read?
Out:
**2:43:56**
